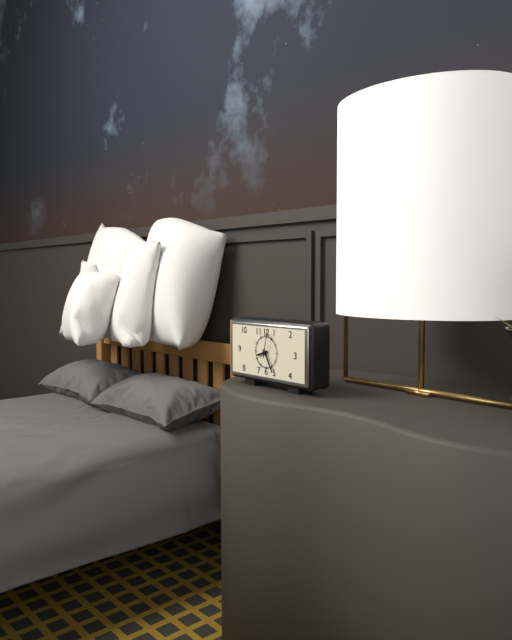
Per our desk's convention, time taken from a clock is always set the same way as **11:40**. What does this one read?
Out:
**8:25**
